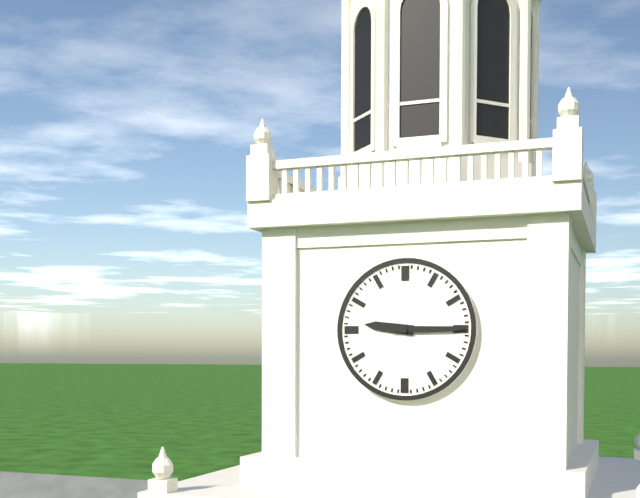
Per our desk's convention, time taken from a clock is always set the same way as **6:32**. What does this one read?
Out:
**9:15**
